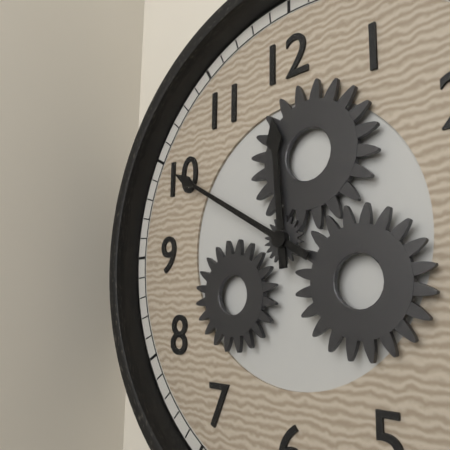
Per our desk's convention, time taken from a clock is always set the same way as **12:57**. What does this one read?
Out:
**11:50**
